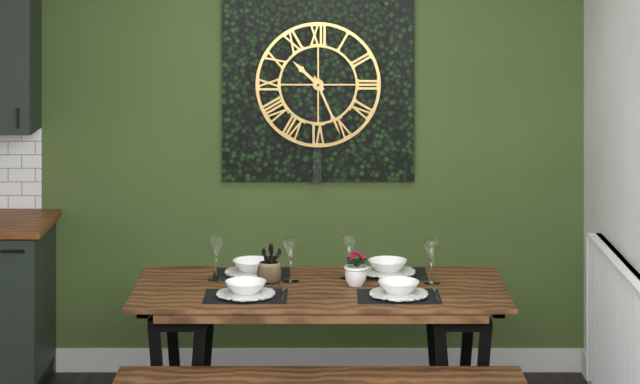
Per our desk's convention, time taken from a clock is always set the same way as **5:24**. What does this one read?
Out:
**10:26**
